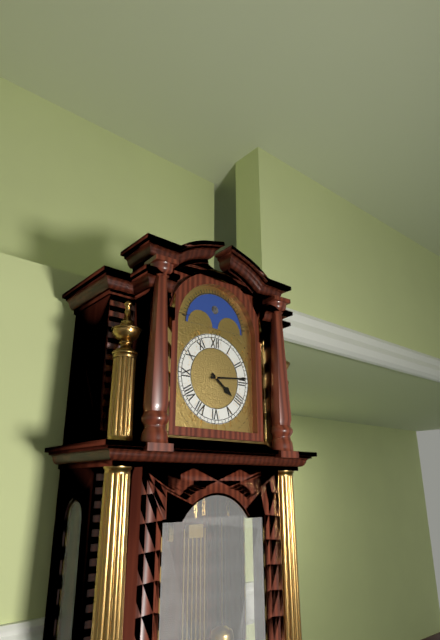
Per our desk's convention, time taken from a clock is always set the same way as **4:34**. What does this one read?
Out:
**4:14**
